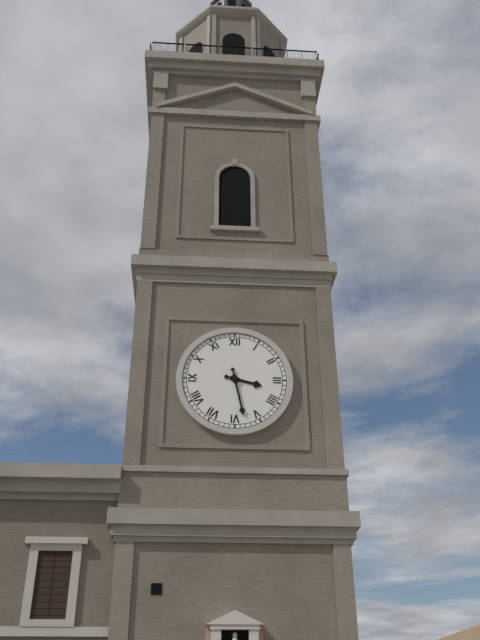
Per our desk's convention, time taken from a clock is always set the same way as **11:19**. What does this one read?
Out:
**3:28**
